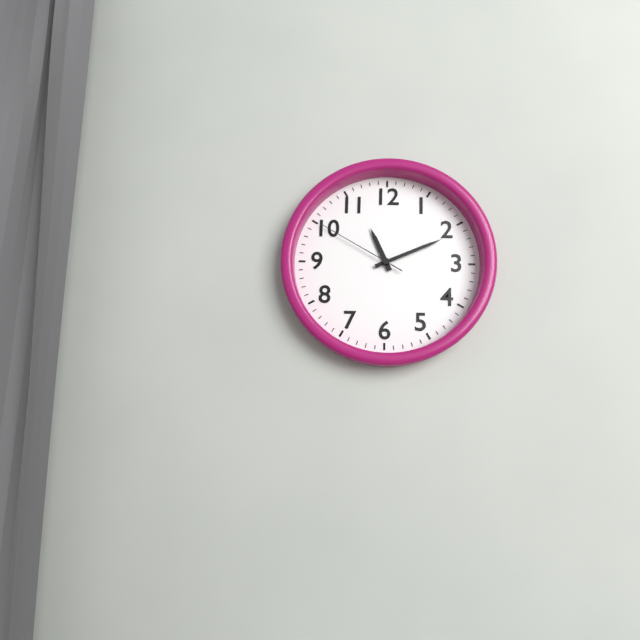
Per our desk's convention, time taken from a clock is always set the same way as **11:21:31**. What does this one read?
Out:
**11:11:50**
